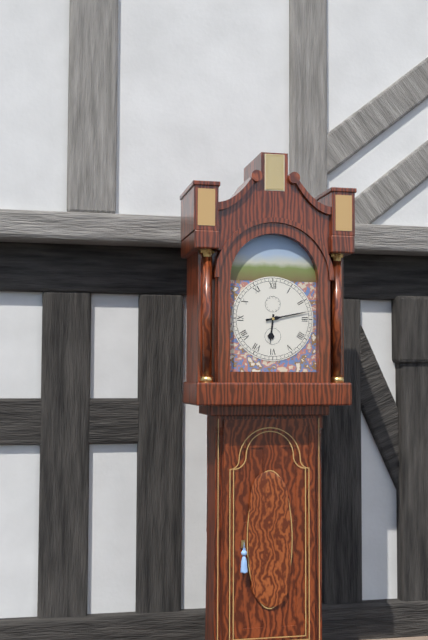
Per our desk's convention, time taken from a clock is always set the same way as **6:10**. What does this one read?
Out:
**6:13**
